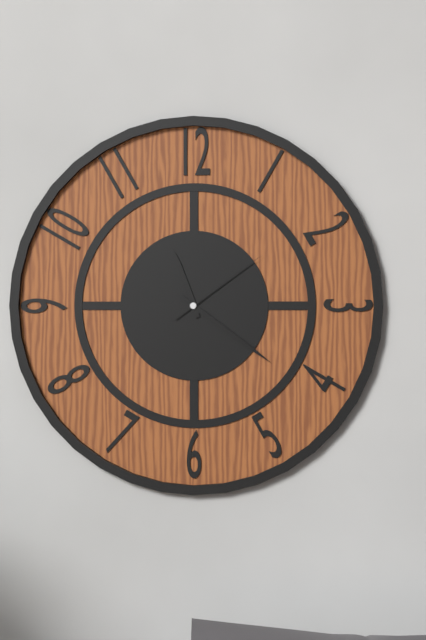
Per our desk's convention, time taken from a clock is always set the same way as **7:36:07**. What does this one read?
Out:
**11:21:09**
